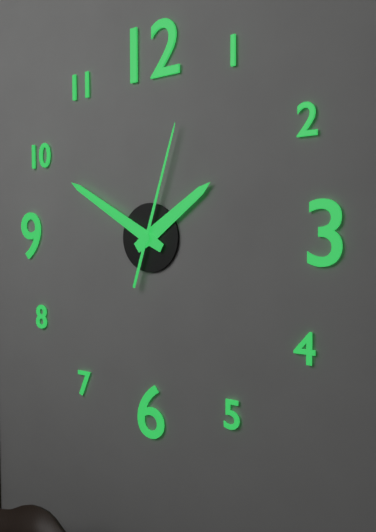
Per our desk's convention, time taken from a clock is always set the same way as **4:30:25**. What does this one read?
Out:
**1:50:03**
